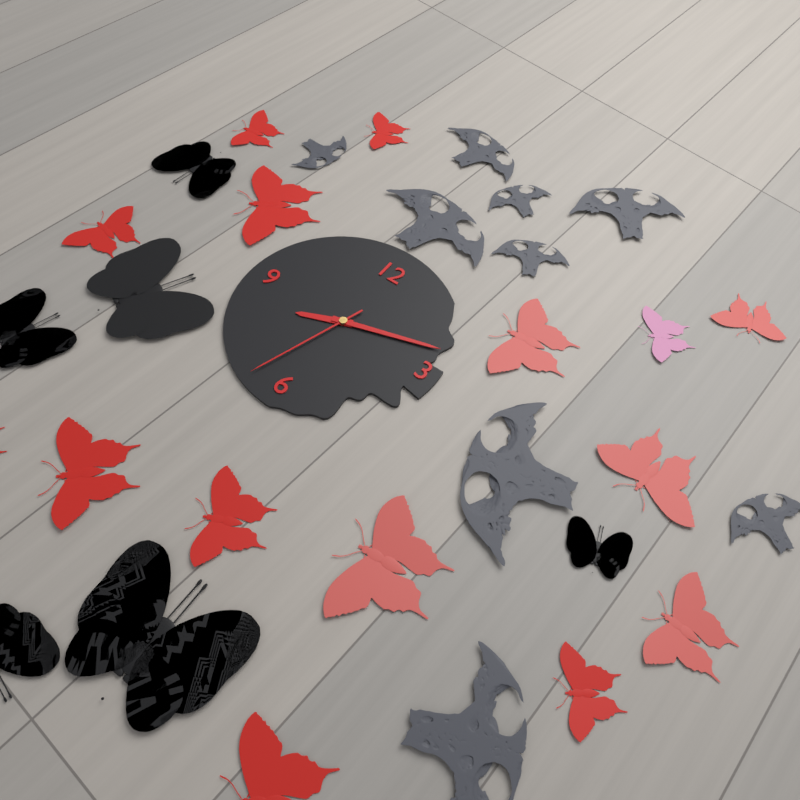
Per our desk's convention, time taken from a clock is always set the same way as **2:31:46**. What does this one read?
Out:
**8:12:33**
